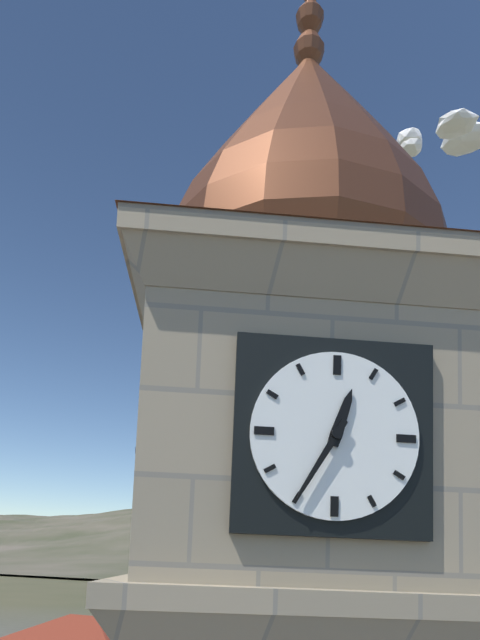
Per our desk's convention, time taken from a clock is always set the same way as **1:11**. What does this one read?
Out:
**12:35**
